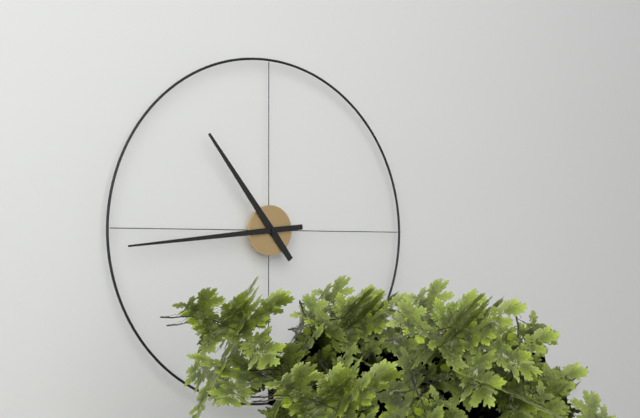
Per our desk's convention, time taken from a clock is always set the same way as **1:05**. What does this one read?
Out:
**10:44**
